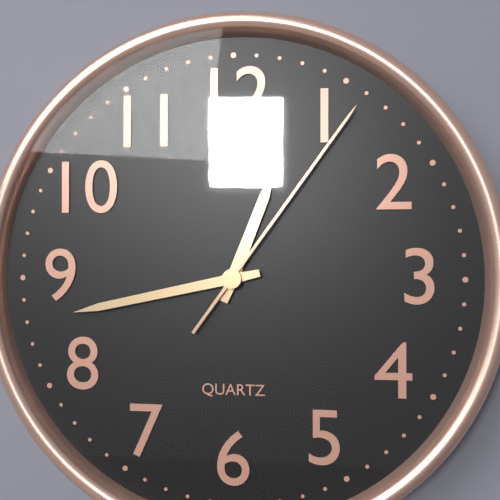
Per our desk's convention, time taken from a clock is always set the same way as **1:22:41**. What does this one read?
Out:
**12:43:06**
